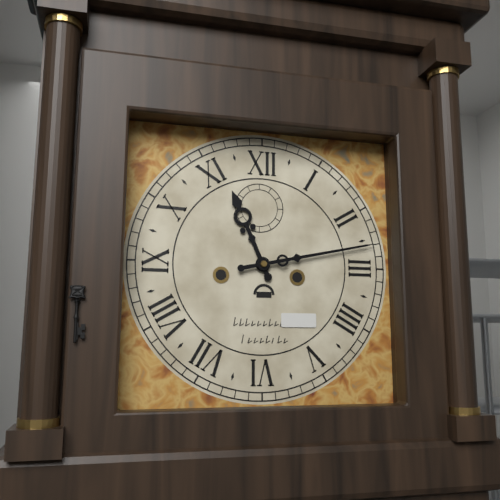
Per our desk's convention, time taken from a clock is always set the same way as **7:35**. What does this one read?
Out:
**11:13**
